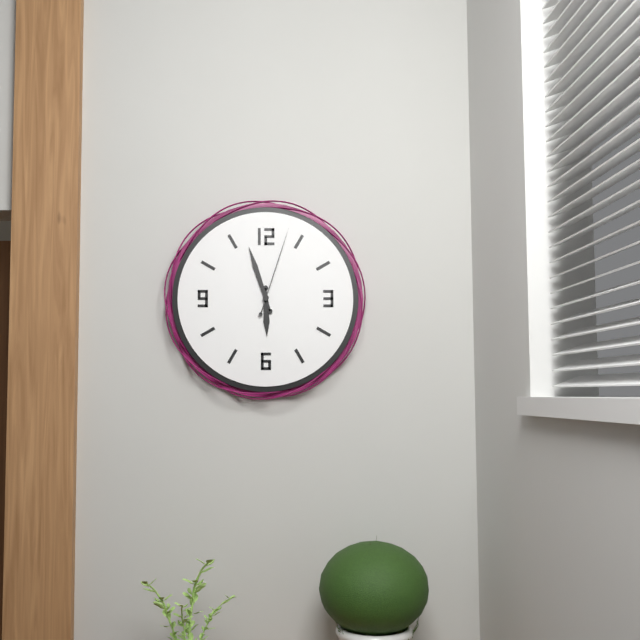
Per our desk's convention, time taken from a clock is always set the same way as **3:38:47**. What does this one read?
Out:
**5:57:03**
